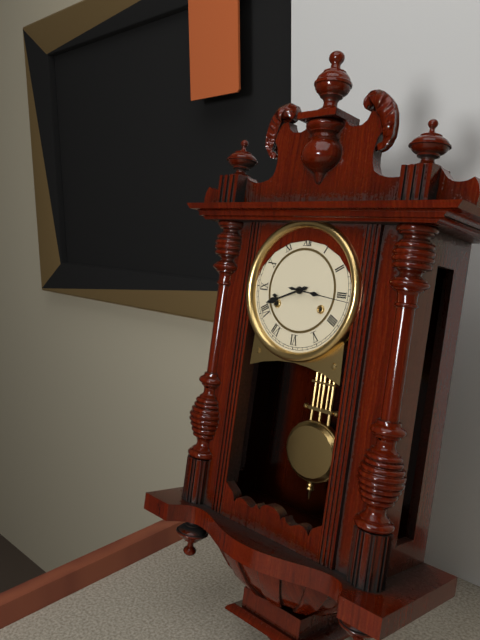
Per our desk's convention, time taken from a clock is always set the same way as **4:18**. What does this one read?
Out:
**8:16**
